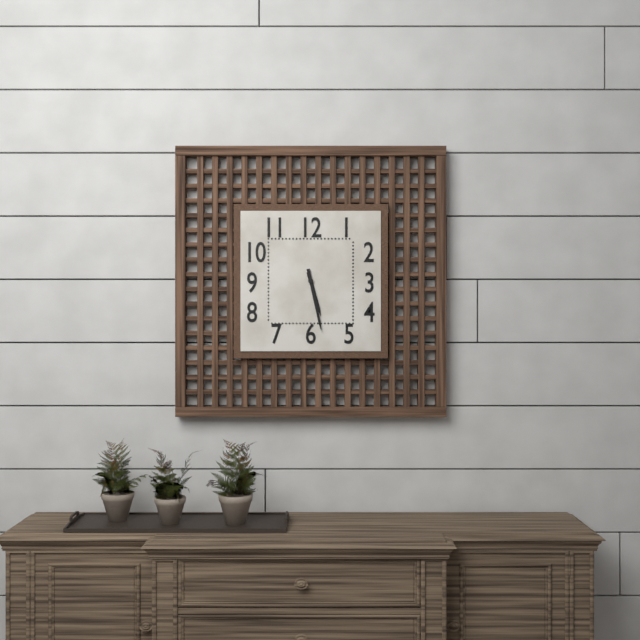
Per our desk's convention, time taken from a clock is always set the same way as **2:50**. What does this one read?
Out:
**5:28**
